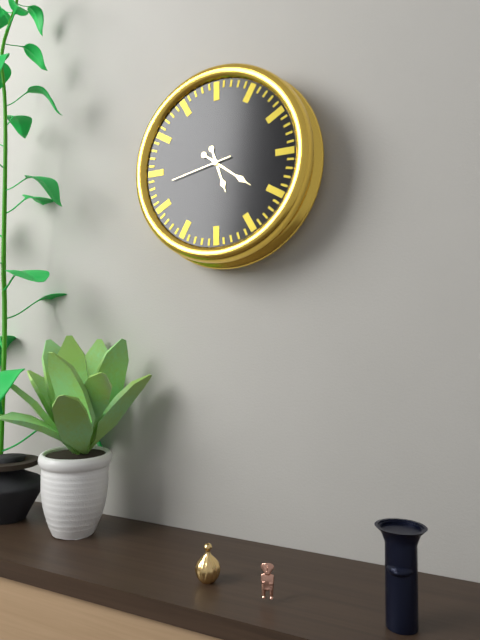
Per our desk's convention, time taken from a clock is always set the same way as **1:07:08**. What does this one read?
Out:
**5:21:43**
